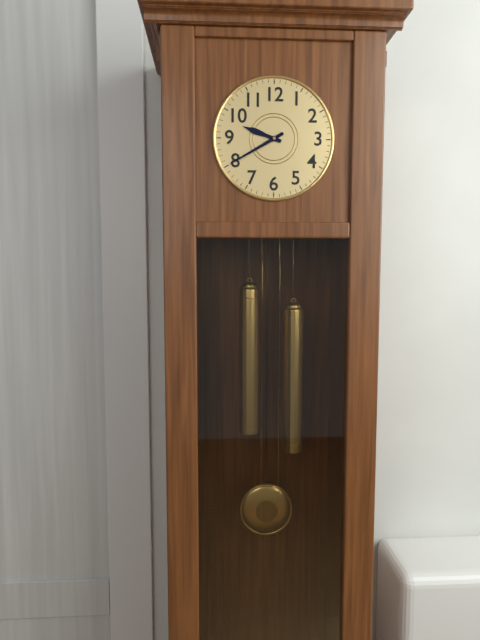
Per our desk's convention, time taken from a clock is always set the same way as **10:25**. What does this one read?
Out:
**9:40**
